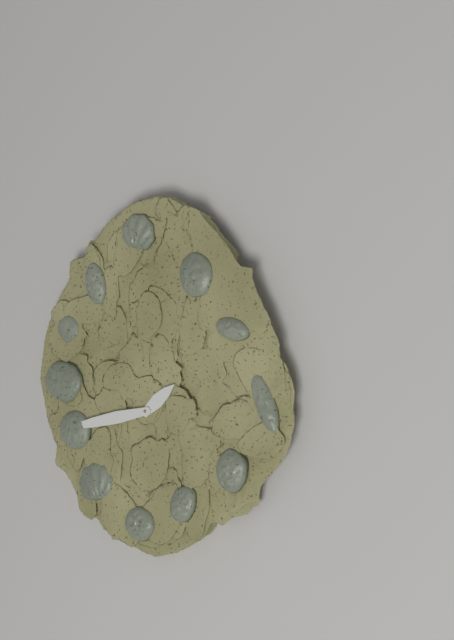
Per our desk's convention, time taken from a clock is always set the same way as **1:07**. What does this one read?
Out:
**1:43**
